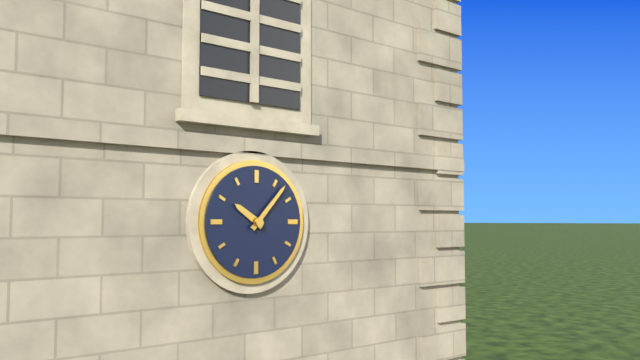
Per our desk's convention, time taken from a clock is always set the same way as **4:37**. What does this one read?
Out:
**10:07**
